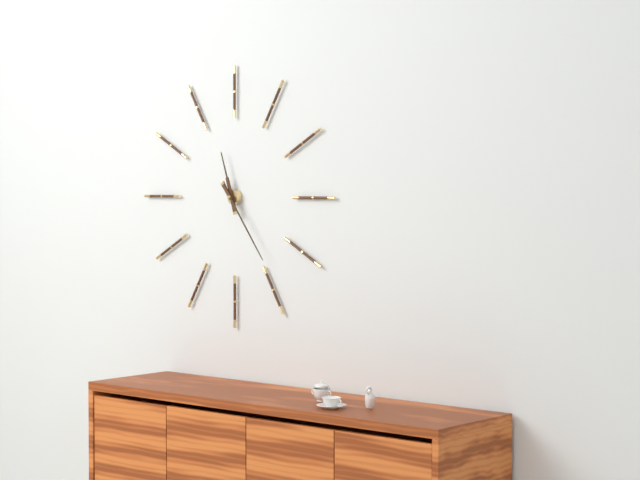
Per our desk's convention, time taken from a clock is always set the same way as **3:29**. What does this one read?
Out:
**11:24**
